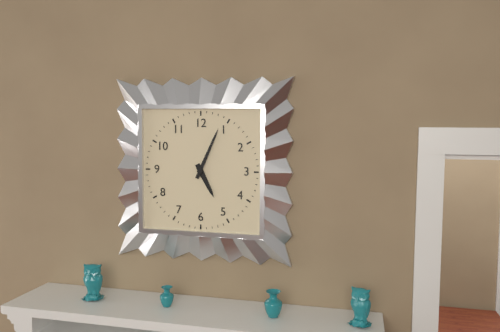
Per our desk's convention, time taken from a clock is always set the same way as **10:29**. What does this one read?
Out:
**5:04**
